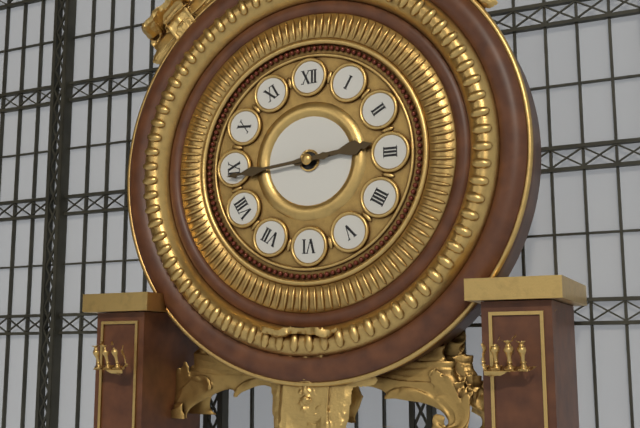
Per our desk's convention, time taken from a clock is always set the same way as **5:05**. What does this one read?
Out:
**2:44**
